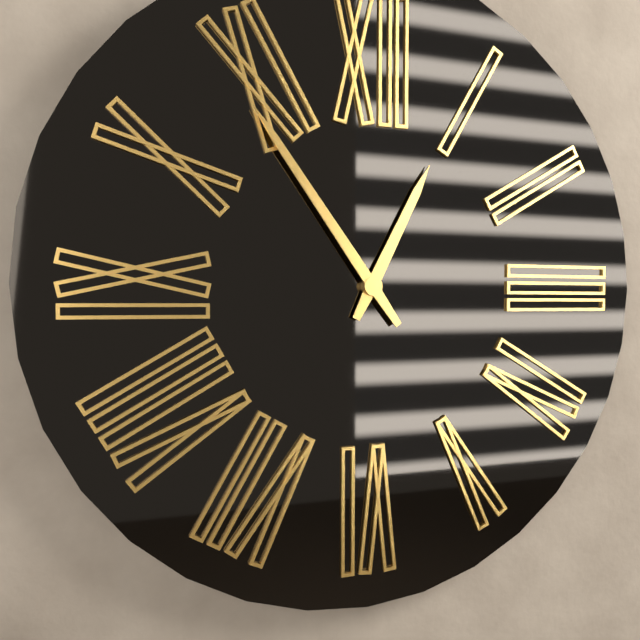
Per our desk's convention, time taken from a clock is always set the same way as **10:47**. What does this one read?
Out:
**12:54**
